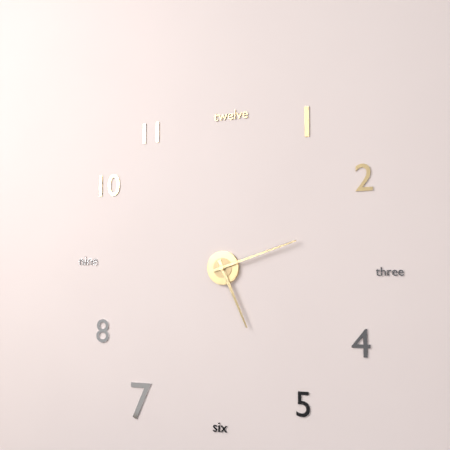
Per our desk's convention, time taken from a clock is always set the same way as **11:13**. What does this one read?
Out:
**5:12**
